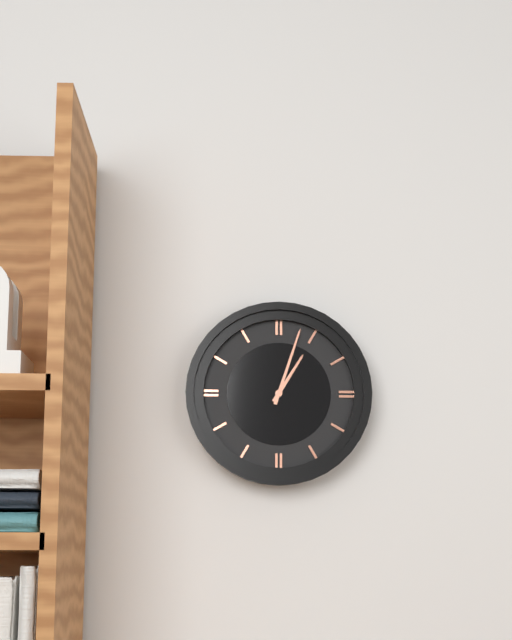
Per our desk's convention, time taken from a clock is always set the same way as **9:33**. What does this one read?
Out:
**1:03**
